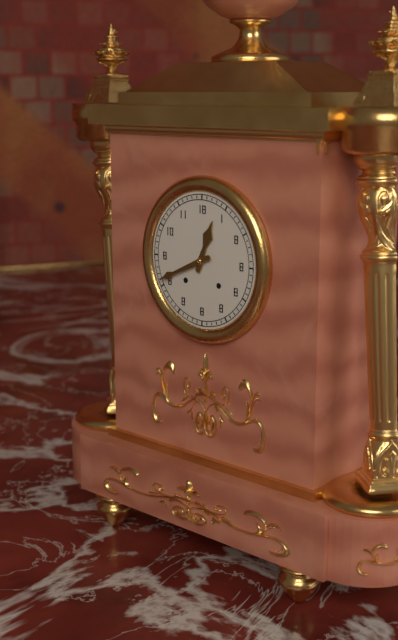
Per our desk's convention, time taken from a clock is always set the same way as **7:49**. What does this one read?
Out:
**12:41**
